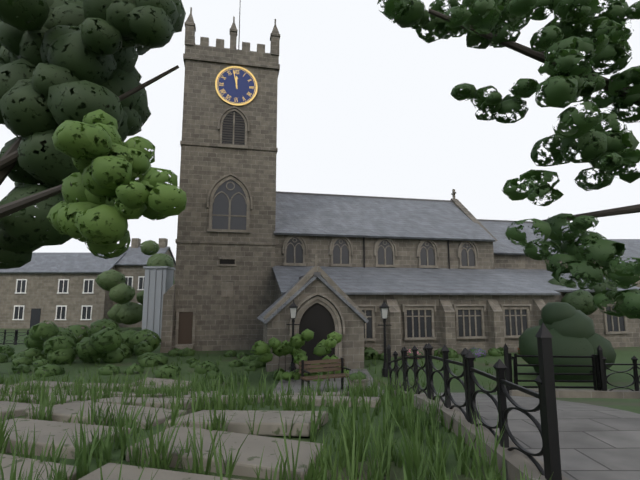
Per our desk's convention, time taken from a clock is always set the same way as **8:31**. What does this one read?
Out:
**11:58**
